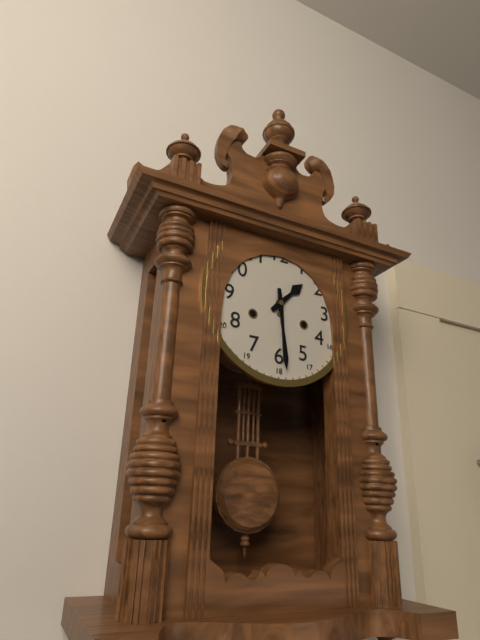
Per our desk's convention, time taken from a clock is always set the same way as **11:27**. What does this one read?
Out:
**1:29**
